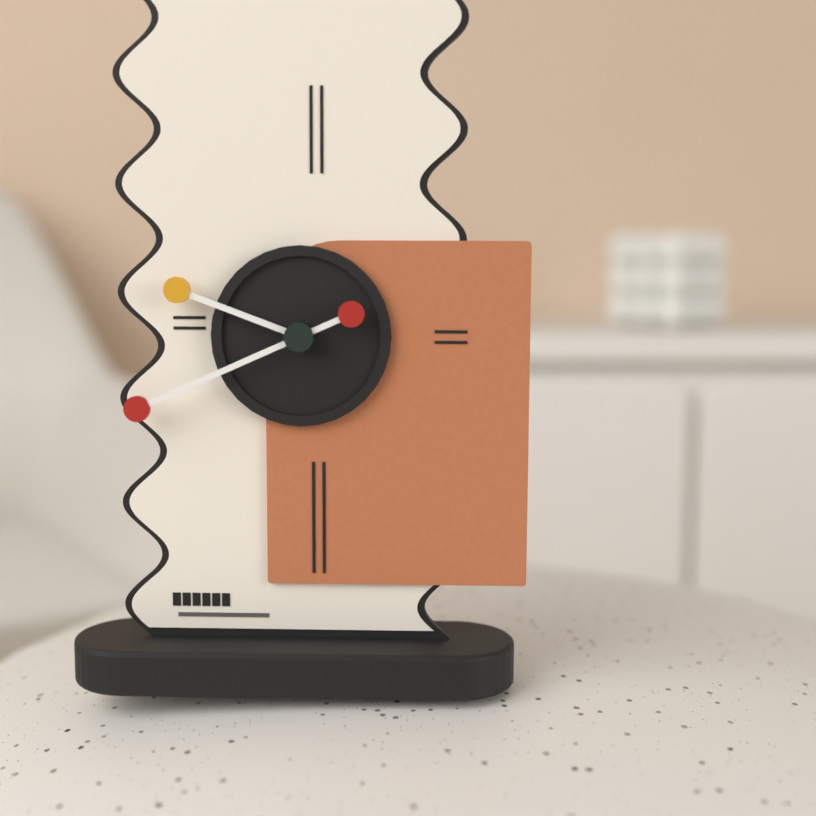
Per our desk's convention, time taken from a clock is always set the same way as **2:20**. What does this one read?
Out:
**9:41**
